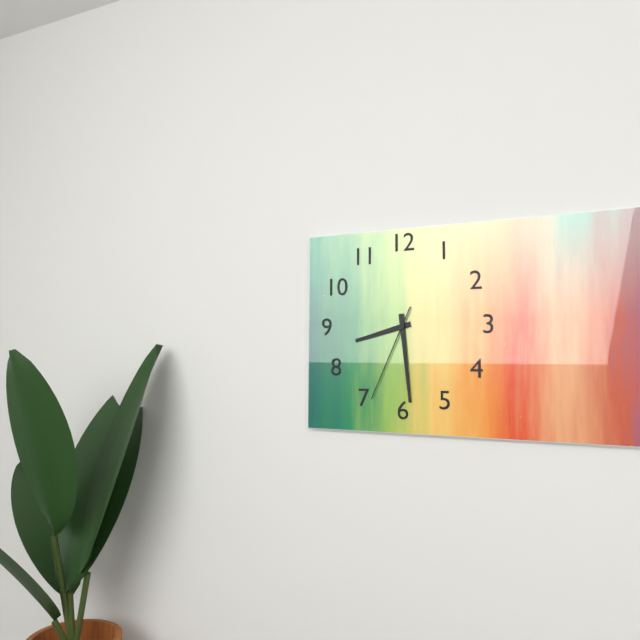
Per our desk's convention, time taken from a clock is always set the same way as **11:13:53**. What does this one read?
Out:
**8:29:34**
